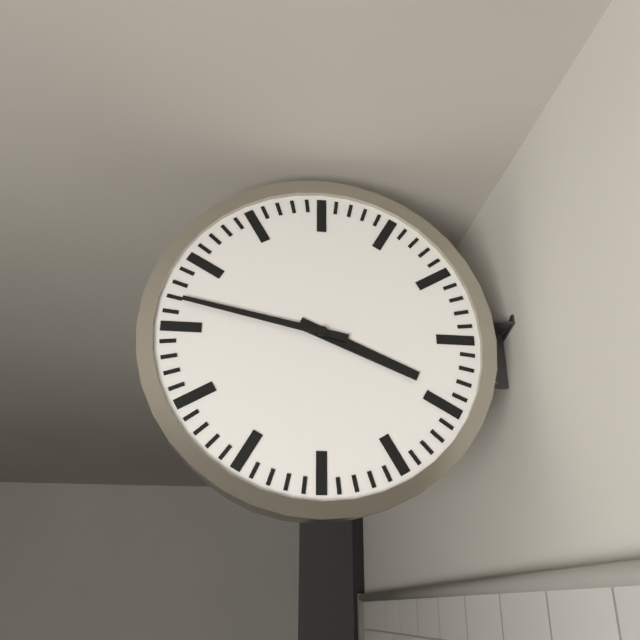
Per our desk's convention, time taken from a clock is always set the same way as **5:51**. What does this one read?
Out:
**3:47**
